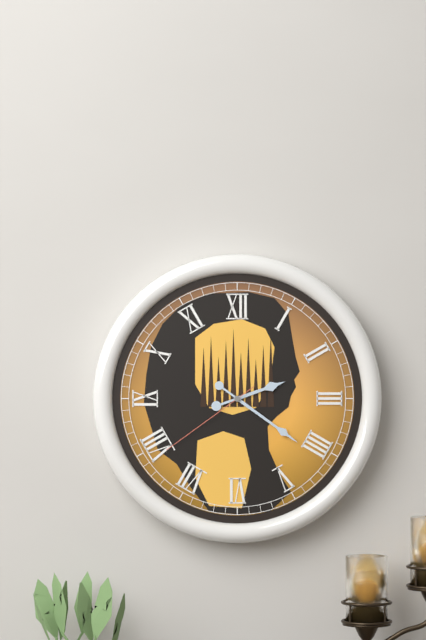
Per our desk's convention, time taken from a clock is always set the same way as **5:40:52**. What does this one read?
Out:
**2:21:39**
